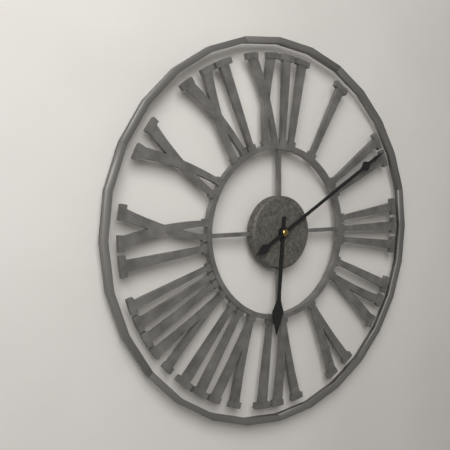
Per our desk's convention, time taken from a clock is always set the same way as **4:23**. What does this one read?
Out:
**6:10**
